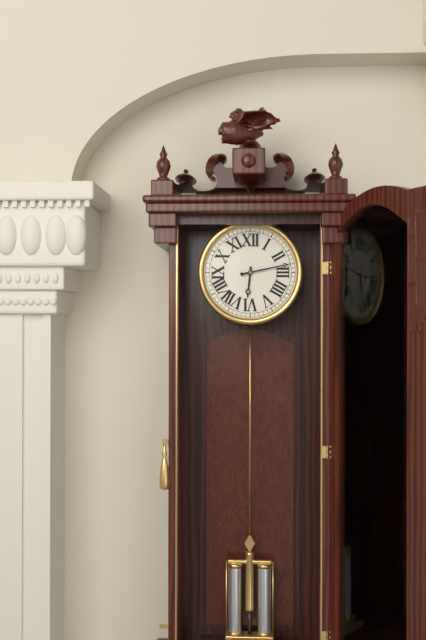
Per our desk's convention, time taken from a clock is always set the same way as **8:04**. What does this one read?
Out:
**6:13**
